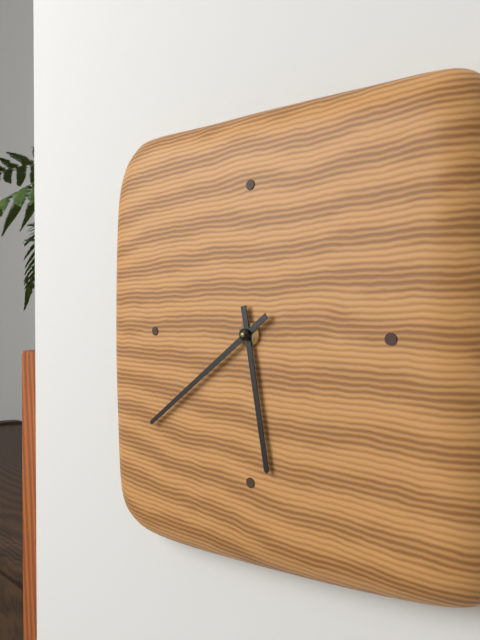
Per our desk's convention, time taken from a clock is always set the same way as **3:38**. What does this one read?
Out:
**5:39**
